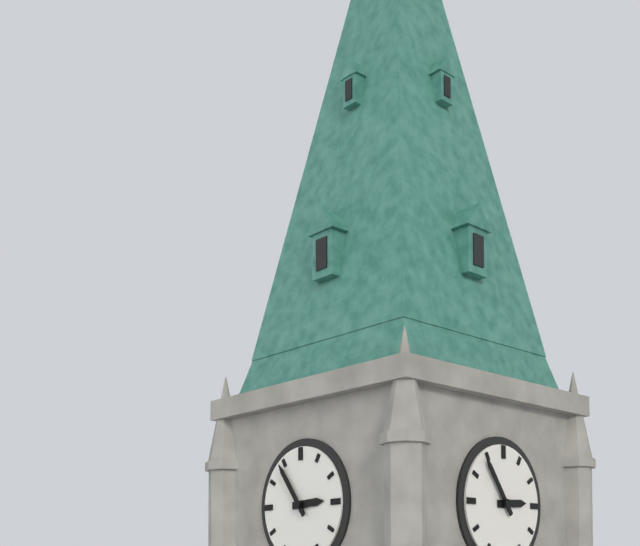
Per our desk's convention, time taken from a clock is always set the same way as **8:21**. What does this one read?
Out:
**2:54**
